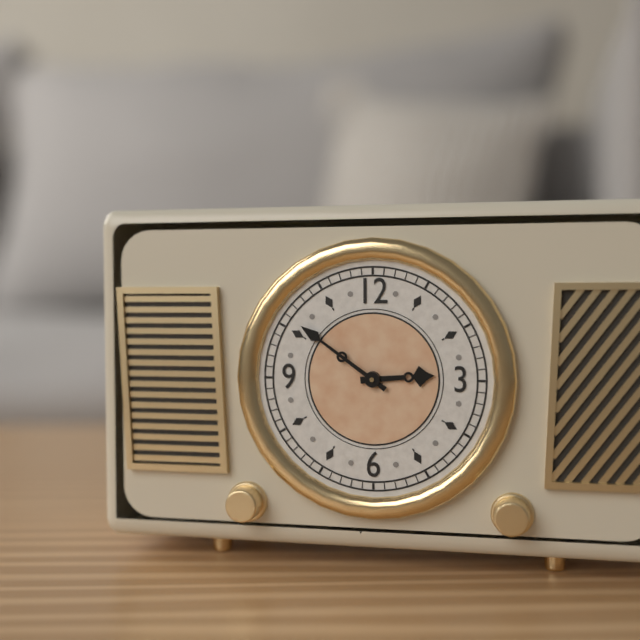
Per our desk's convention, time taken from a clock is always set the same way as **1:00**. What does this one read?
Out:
**2:51**
